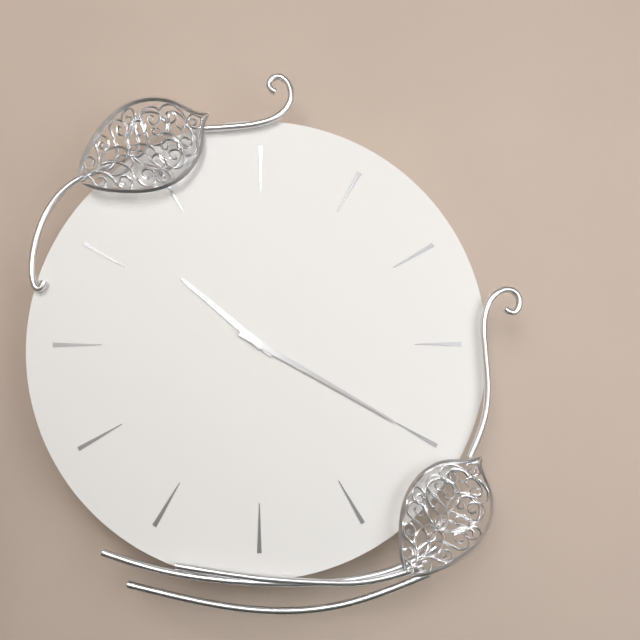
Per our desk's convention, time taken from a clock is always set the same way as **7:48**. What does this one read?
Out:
**10:20**
